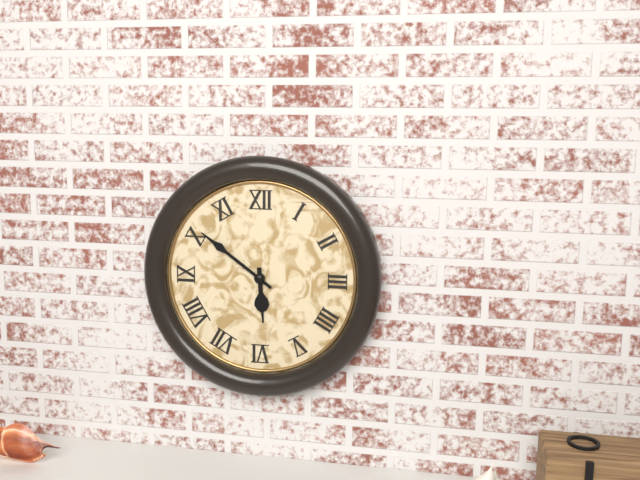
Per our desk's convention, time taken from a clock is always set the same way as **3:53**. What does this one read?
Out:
**5:51**
